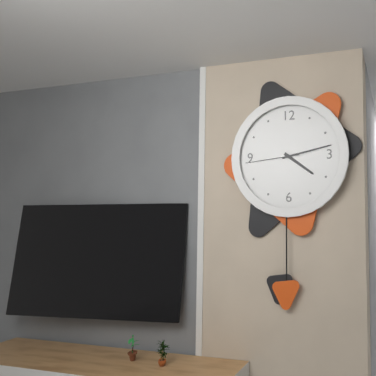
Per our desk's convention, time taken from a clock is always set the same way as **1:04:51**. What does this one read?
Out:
**4:13:44**
